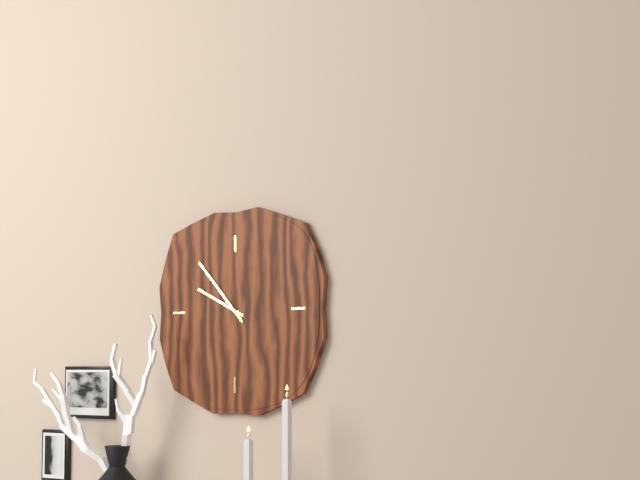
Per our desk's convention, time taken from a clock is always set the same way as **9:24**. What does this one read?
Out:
**9:53**
